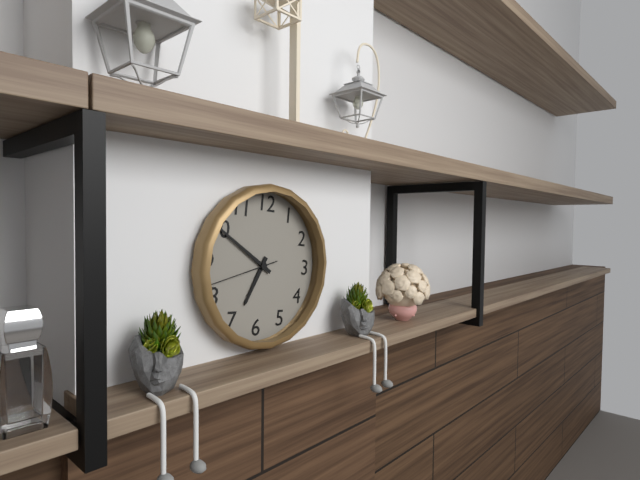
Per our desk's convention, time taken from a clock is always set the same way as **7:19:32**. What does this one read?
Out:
**6:50:42**
